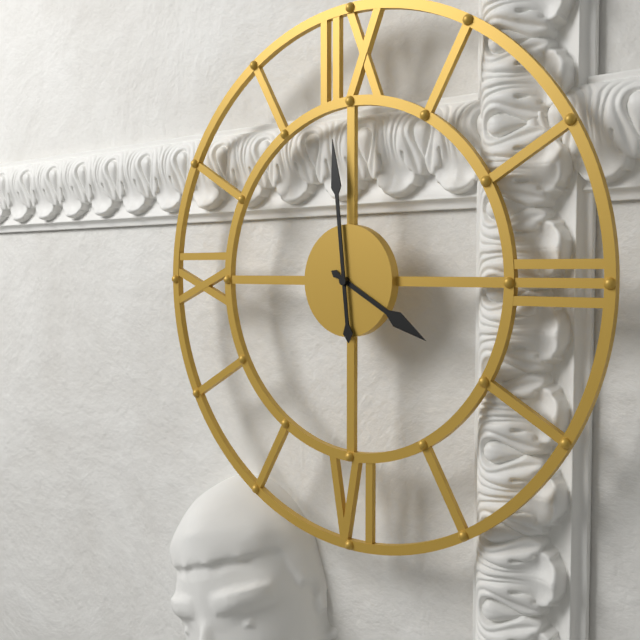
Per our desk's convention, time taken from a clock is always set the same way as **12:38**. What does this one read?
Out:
**3:59**
